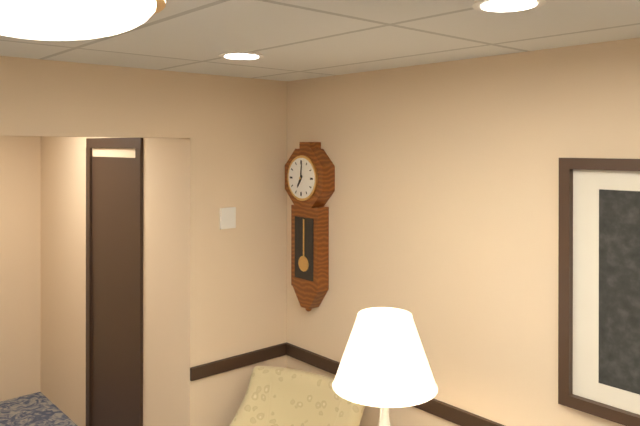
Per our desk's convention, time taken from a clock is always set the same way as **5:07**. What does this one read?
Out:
**7:01**
